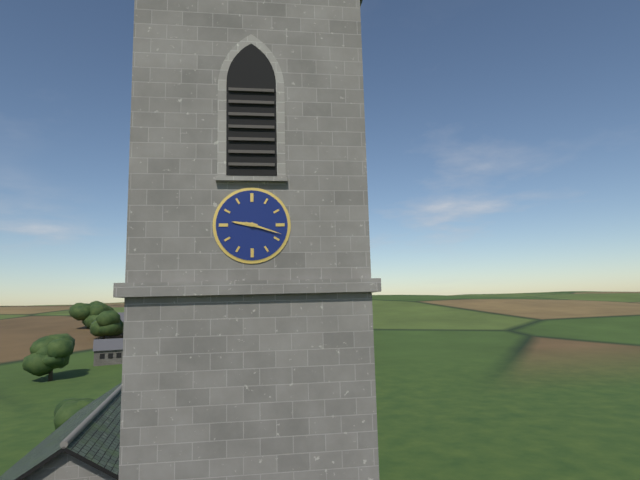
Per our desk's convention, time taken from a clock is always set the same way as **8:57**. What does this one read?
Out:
**9:18**
